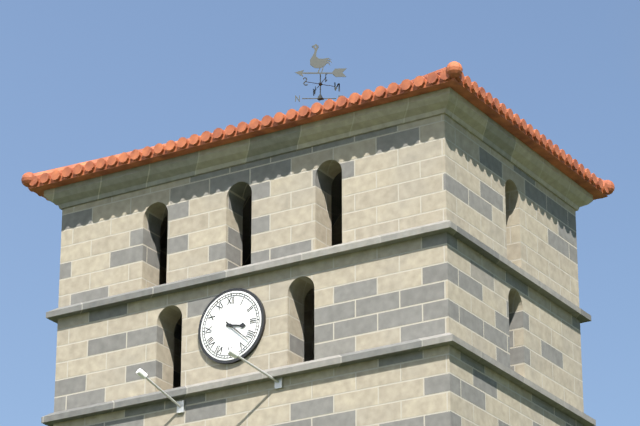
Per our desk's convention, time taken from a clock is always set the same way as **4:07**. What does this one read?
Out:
**3:22**
